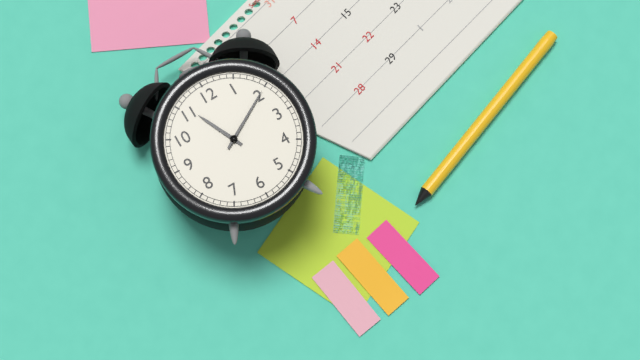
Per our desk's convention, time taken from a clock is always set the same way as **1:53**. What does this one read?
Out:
**11:10**
